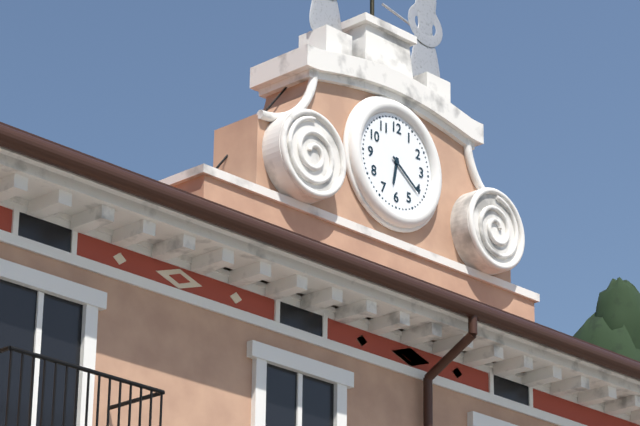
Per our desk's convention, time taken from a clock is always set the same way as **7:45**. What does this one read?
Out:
**6:21**
